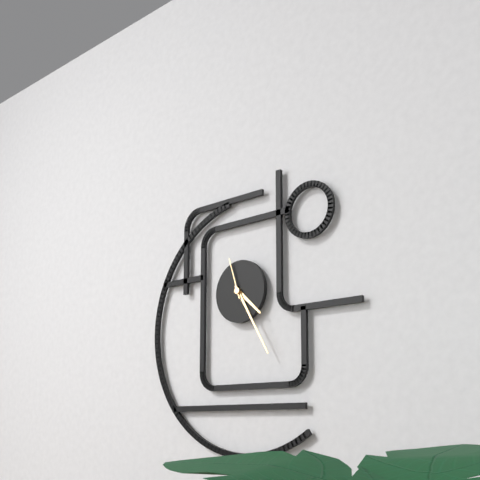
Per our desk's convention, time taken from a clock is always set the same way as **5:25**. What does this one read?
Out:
**4:25**
